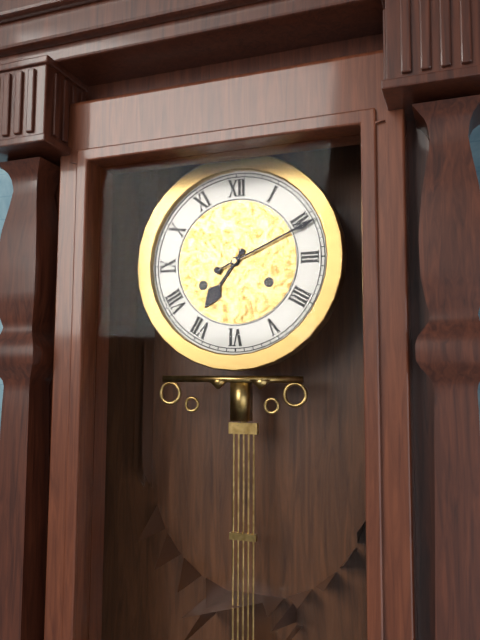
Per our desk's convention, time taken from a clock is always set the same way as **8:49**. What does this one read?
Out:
**7:11**
